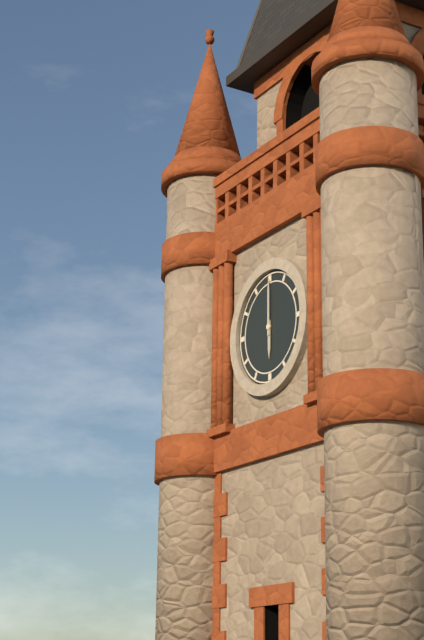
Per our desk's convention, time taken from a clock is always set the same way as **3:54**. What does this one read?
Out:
**6:00**
